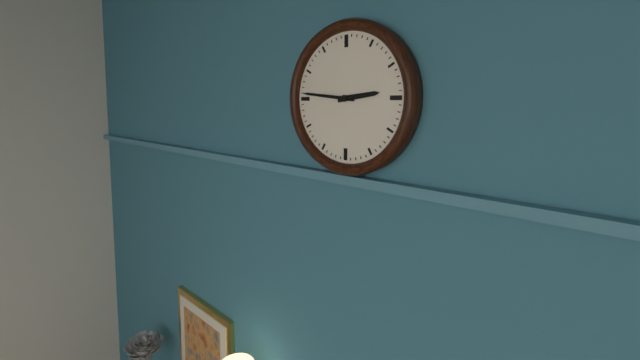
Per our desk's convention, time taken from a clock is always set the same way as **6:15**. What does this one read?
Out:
**2:46**
